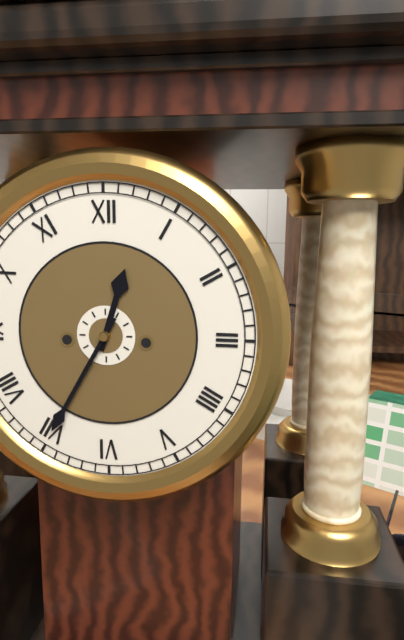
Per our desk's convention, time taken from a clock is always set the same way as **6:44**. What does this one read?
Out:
**12:35**
